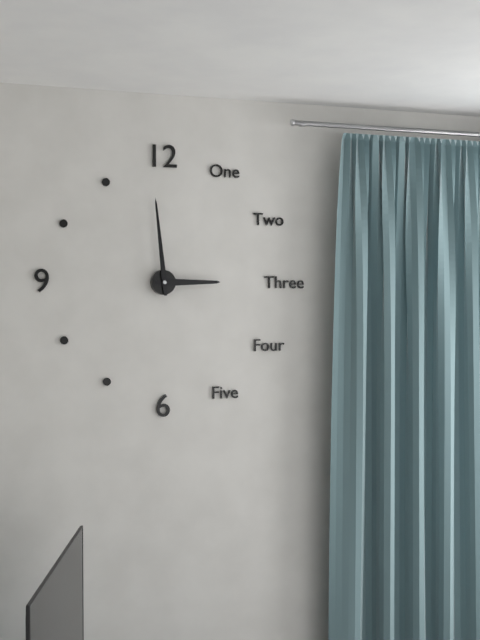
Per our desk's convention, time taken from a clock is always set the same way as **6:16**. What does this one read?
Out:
**2:59**
